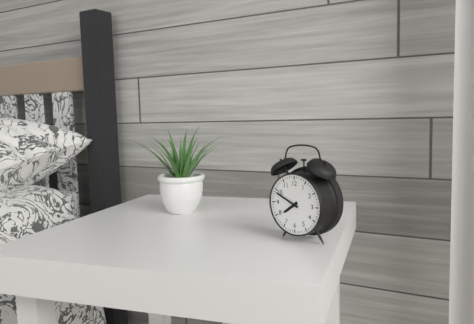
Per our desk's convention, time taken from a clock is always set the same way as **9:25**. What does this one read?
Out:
**7:49**
